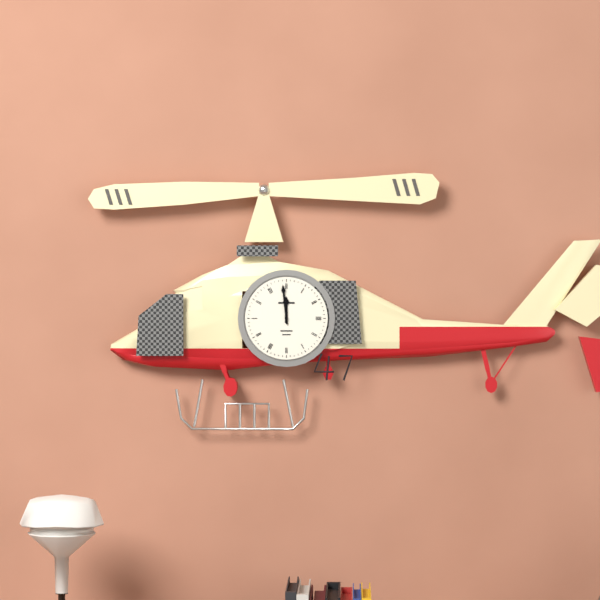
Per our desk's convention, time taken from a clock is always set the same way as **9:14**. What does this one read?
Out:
**11:59**
